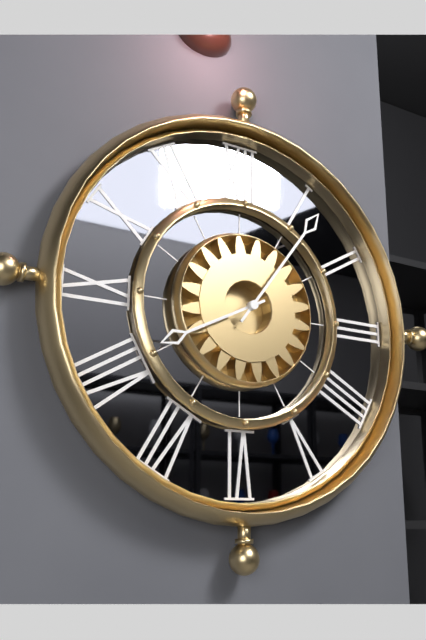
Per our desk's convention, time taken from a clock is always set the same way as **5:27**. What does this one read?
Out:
**8:06**
